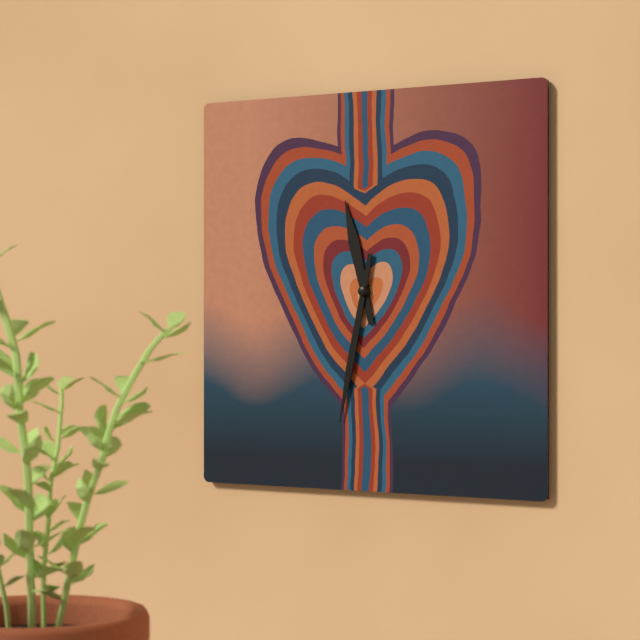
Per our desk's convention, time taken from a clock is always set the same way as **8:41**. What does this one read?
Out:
**11:32**
